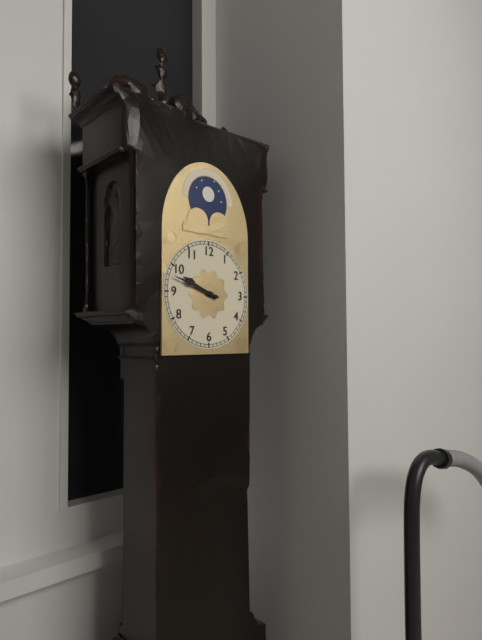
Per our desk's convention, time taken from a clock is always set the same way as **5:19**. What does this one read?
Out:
**9:48**
